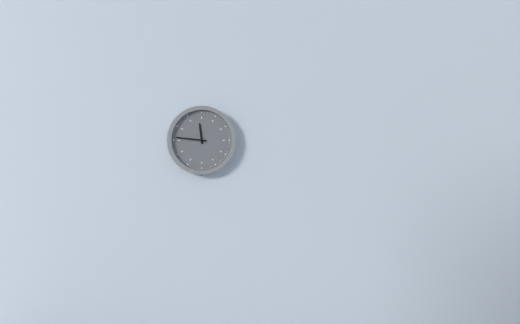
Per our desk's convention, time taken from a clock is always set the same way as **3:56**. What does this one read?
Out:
**11:46**
